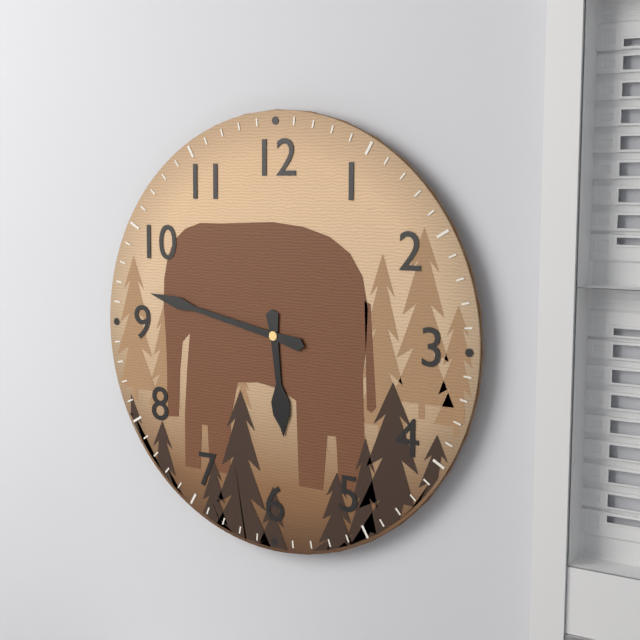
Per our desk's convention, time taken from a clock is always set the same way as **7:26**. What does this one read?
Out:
**5:47**
